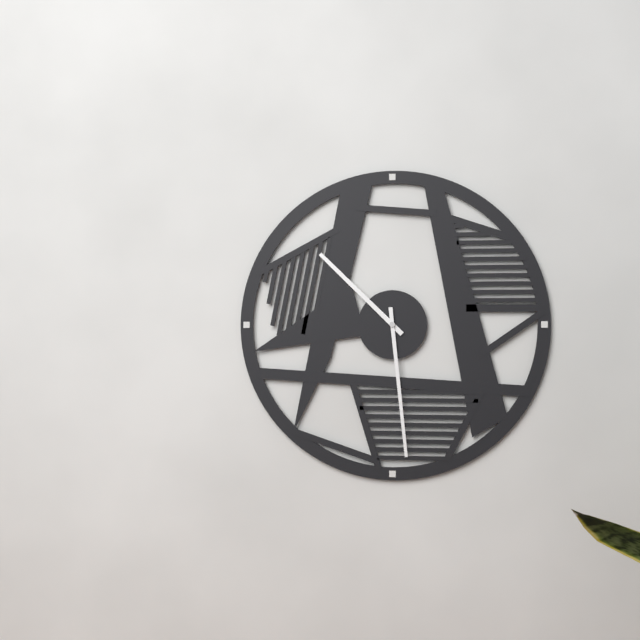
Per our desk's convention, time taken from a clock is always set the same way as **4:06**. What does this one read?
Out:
**10:29**
